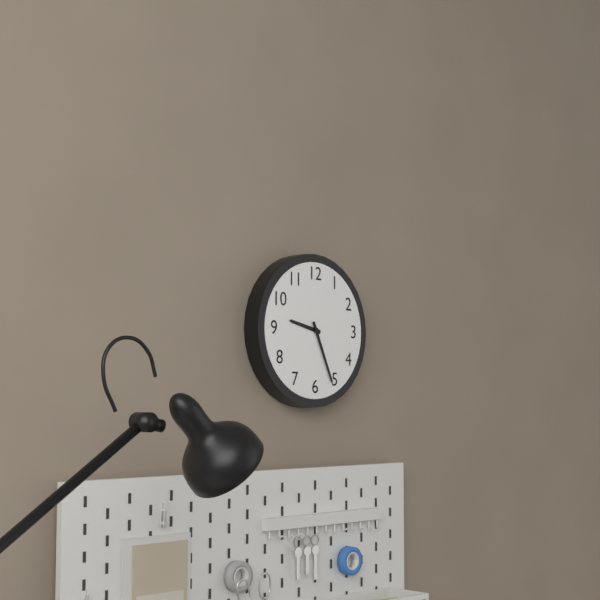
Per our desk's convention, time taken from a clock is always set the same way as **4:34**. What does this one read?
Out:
**9:26**
